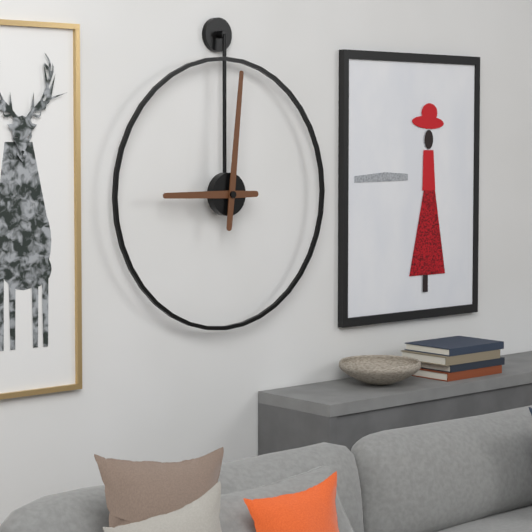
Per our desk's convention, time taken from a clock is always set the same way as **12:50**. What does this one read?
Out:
**9:01**
